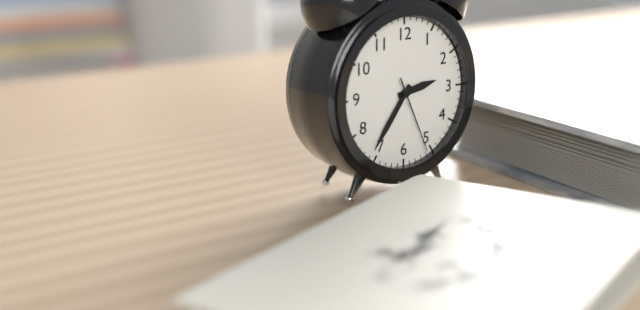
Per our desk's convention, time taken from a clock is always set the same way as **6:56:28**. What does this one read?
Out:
**2:36:26**
